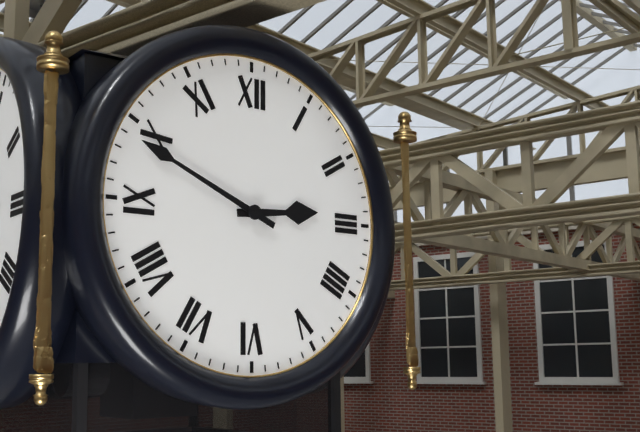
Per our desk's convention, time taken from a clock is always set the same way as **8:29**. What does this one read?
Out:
**2:49**
